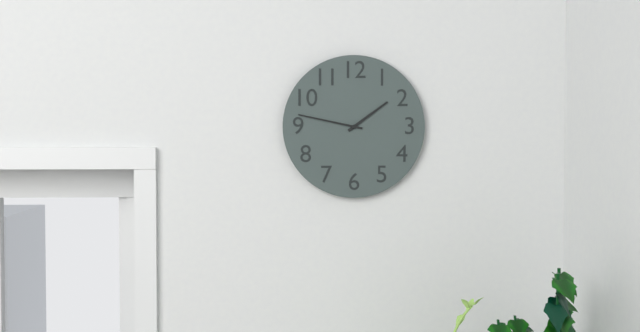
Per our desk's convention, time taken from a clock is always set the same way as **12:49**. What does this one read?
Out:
**1:47**
